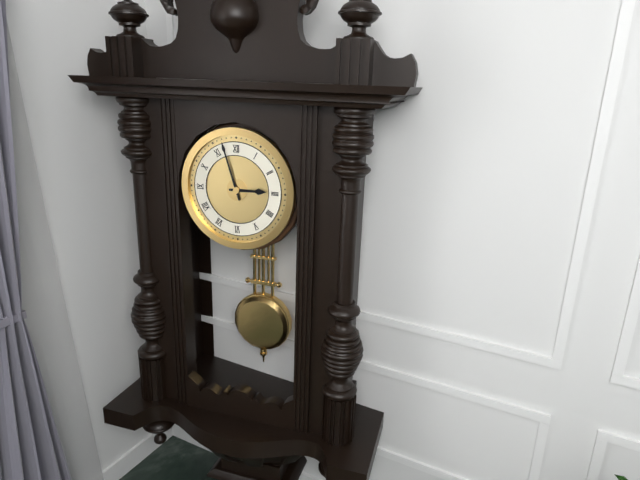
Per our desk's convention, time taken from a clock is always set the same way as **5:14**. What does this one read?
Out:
**2:57**
